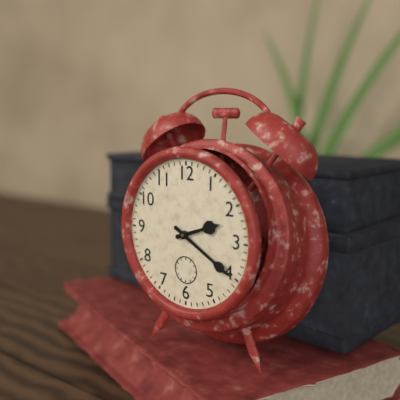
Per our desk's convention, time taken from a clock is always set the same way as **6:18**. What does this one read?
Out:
**2:20**
